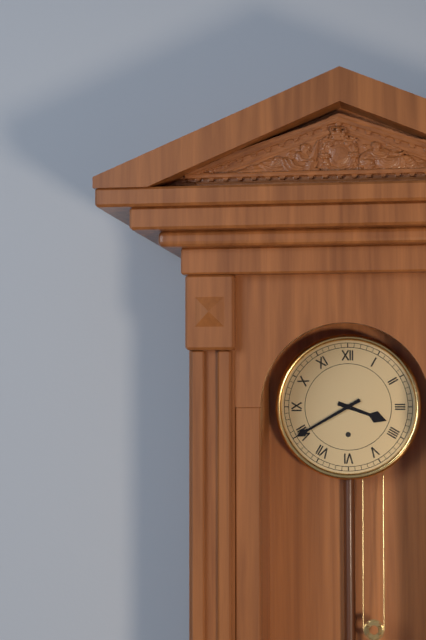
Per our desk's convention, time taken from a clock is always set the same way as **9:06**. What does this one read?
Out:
**3:40**
